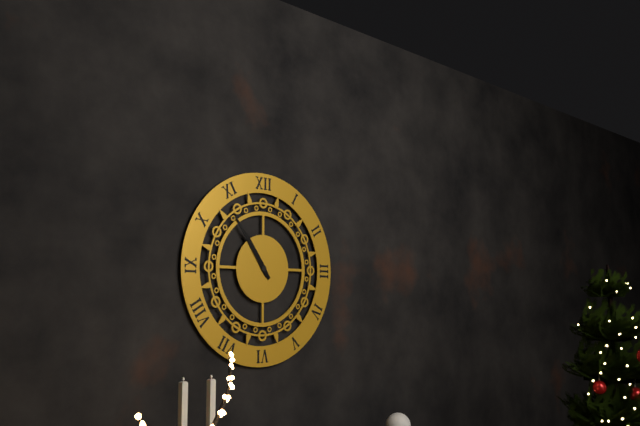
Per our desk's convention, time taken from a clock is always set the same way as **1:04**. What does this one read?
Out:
**10:54**
